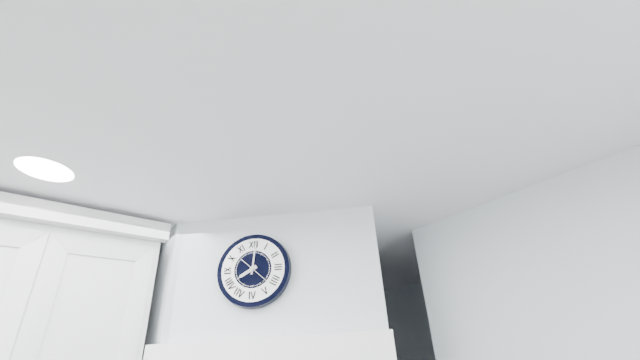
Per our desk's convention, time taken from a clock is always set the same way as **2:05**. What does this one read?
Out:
**8:01**
